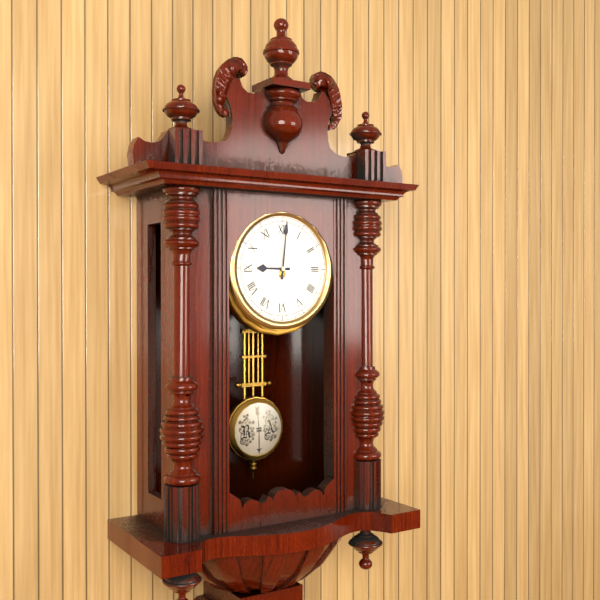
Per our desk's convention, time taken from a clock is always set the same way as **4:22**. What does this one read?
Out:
**9:01**
